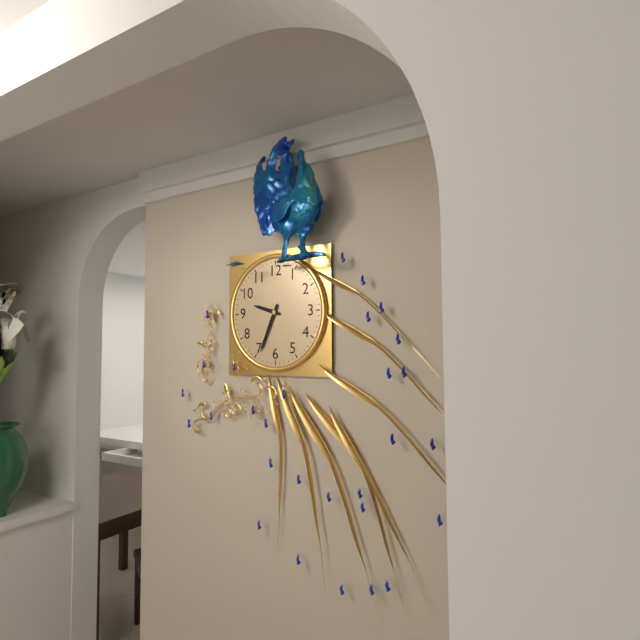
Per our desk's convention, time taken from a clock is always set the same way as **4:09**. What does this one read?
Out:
**9:34**
